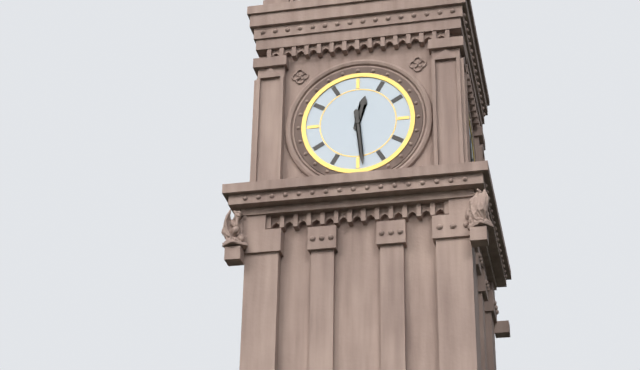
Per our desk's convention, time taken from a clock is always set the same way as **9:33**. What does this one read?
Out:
**12:29**
